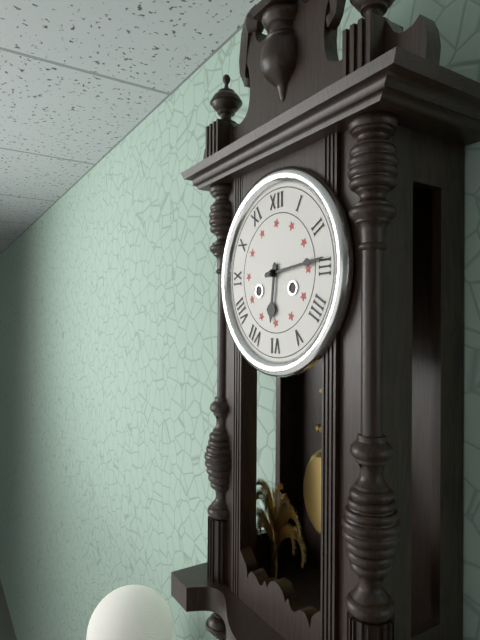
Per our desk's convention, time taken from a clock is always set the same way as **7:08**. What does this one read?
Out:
**6:14**
